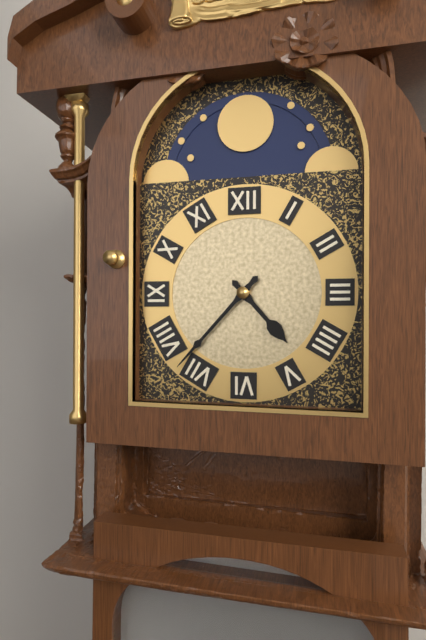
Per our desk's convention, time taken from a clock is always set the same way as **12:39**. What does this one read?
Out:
**4:37**
